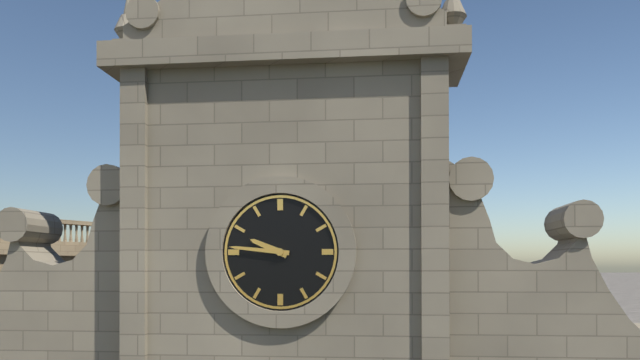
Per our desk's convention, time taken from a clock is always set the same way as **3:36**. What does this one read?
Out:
**9:46**
